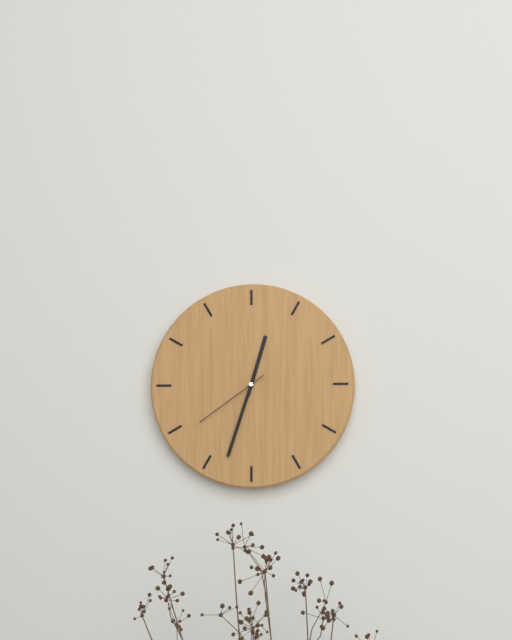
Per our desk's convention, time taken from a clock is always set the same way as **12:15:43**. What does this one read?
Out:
**12:33:39**
